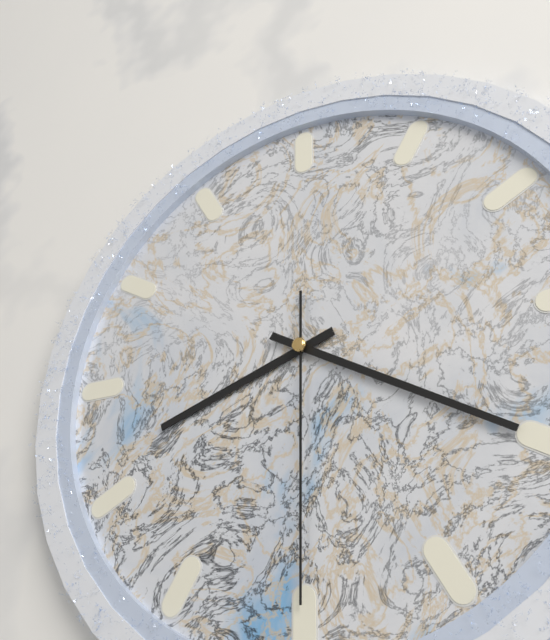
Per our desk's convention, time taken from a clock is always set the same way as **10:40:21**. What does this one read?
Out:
**8:20:30**
